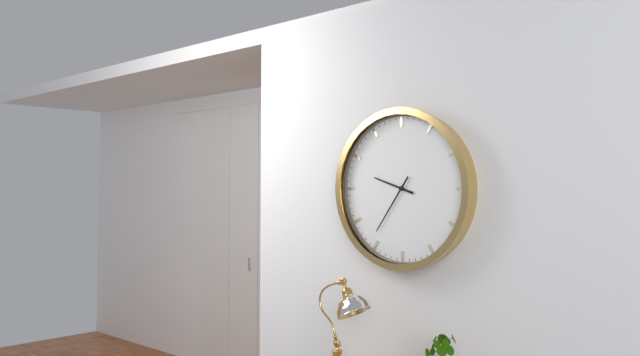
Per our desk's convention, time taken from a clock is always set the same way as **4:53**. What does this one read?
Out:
**9:36**
